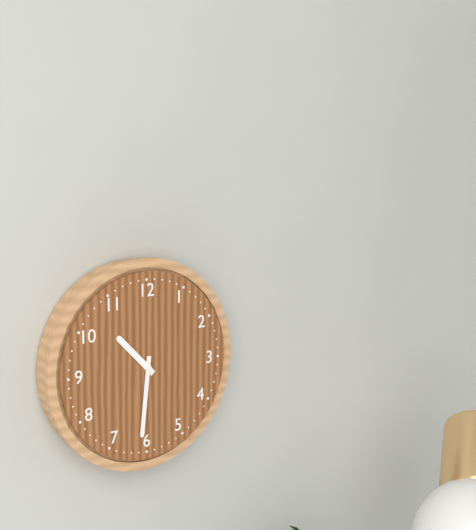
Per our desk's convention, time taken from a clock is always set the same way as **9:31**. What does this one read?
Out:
**10:31**
